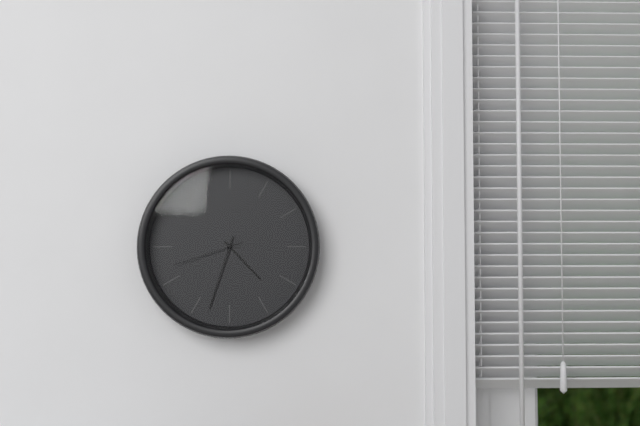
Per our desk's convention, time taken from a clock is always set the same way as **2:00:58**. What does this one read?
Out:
**4:33:42**
